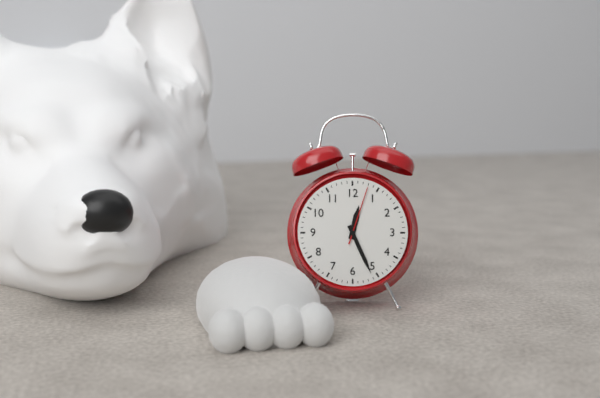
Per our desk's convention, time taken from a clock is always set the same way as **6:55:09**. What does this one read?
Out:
**12:26:03**
